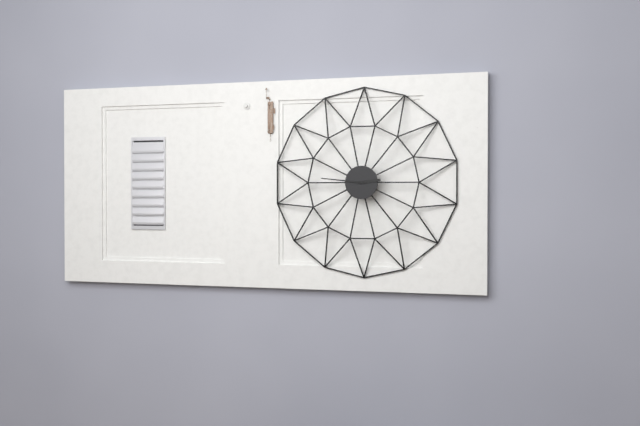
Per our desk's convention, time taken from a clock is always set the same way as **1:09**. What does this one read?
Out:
**2:46**
